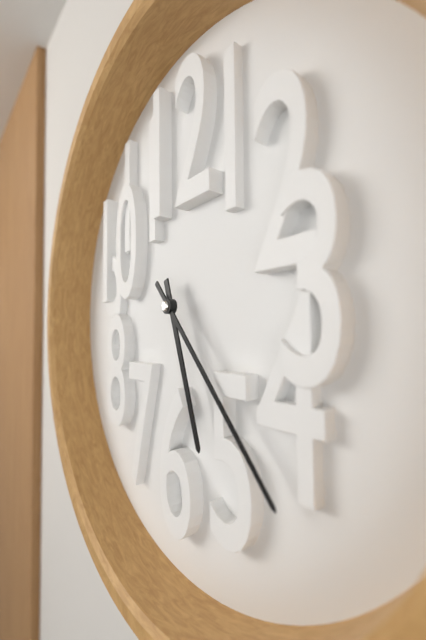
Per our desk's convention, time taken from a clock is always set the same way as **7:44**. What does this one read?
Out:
**5:23**
